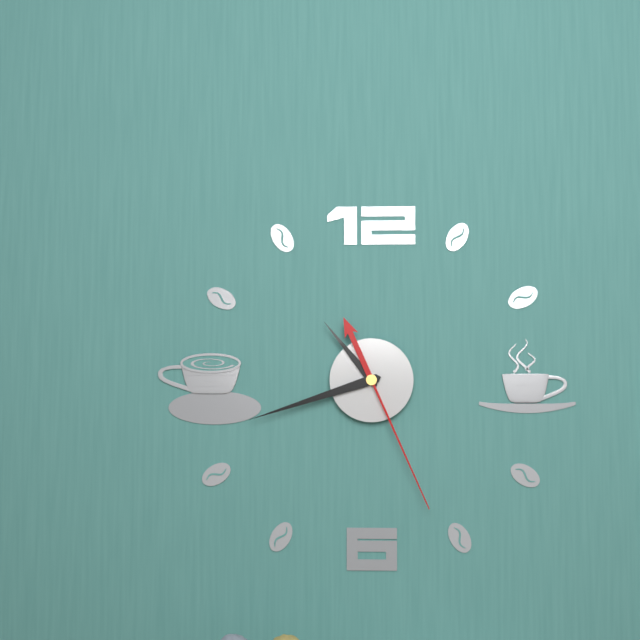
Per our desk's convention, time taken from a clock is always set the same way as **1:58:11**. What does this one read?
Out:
**10:42:26**
